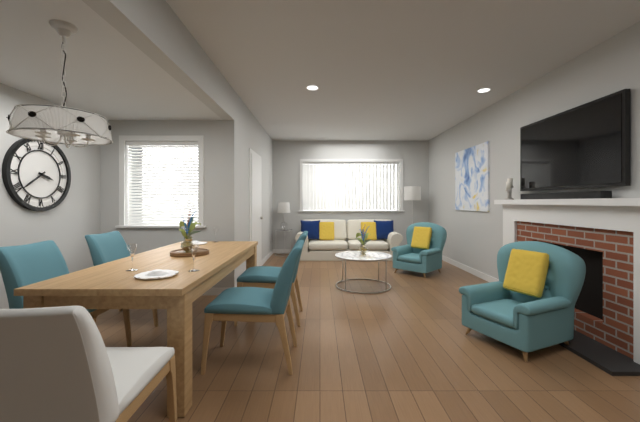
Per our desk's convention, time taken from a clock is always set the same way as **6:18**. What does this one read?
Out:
**3:39**
